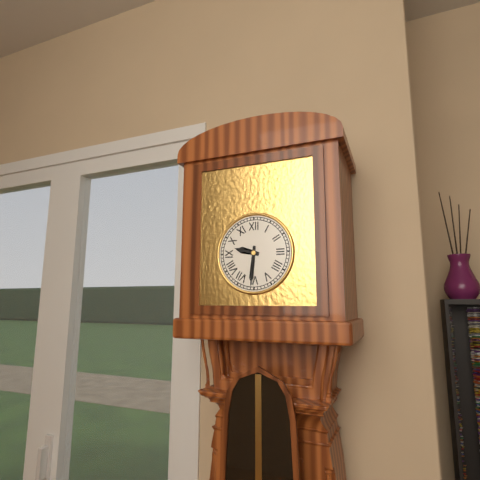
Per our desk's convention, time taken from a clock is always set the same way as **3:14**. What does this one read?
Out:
**9:31**
